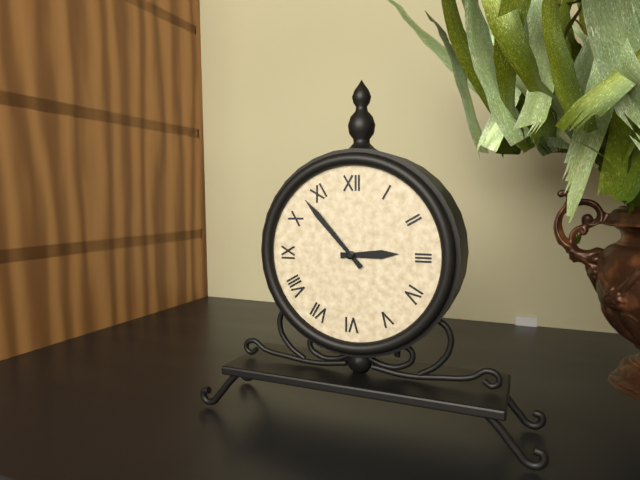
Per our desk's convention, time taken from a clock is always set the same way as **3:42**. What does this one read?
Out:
**2:53**
